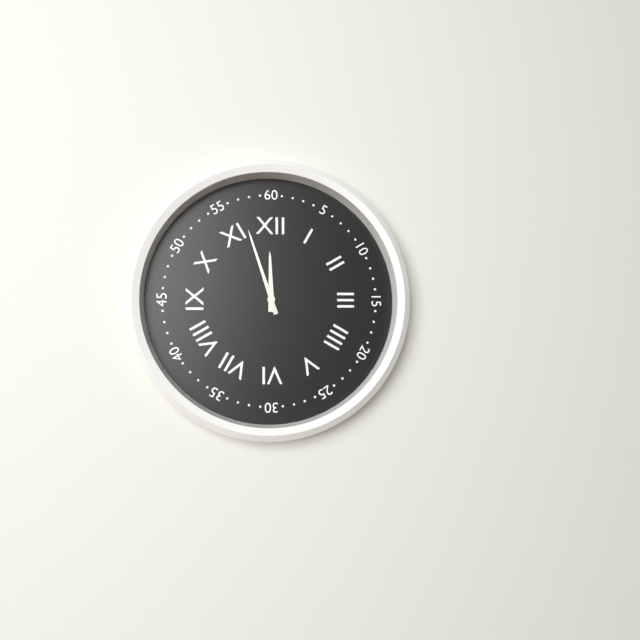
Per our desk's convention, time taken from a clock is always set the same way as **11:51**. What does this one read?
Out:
**11:57**
